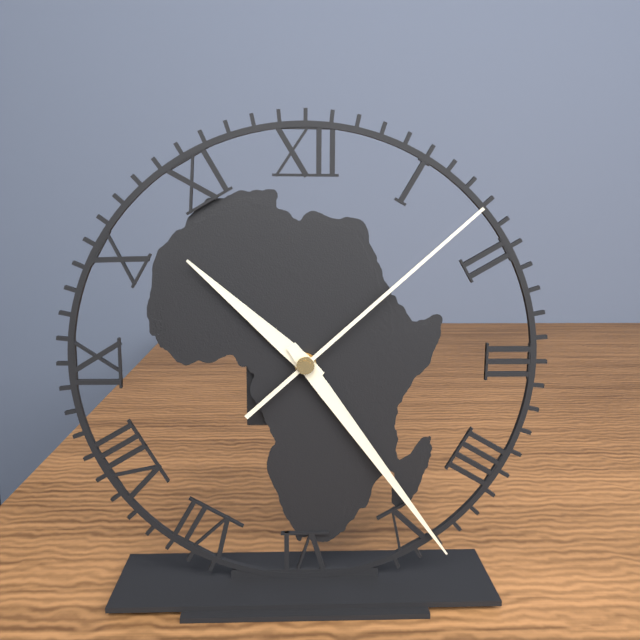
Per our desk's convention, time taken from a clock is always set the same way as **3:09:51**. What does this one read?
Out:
**10:24:08**
